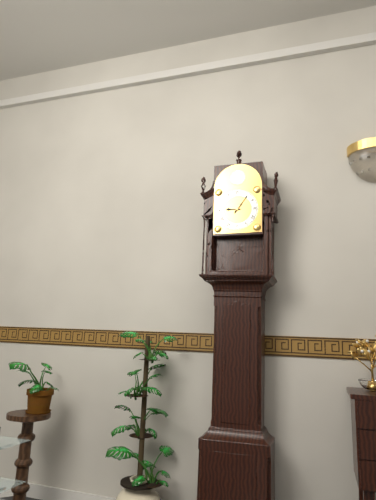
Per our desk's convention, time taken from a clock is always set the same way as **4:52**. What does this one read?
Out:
**9:06**
